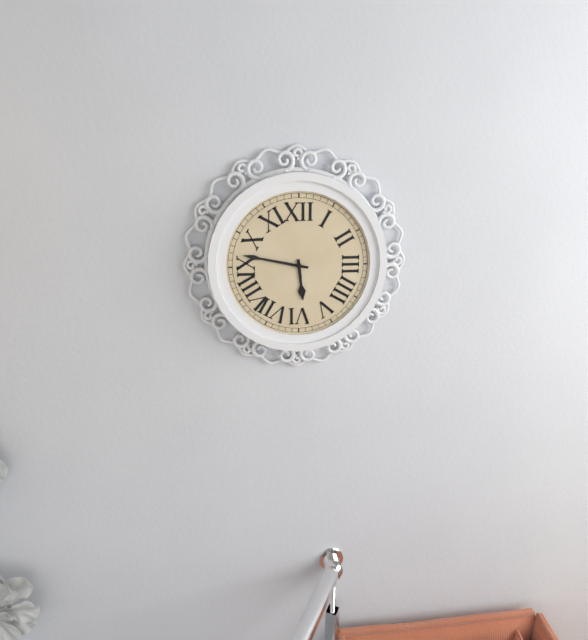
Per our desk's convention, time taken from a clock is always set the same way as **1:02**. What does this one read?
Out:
**5:47**
